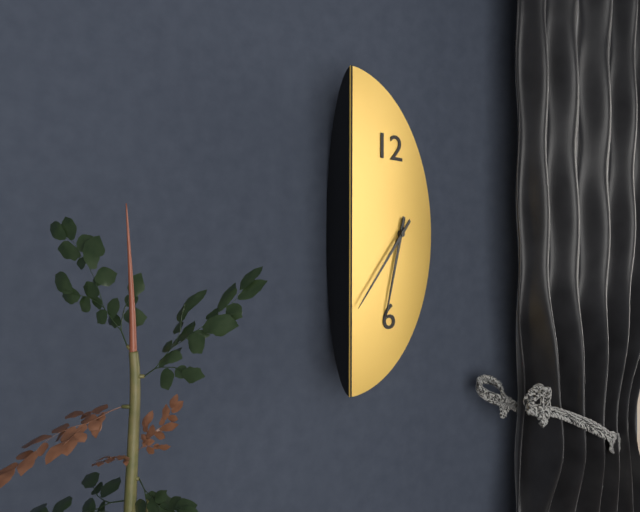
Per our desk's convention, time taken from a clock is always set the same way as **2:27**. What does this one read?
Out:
**6:38**
